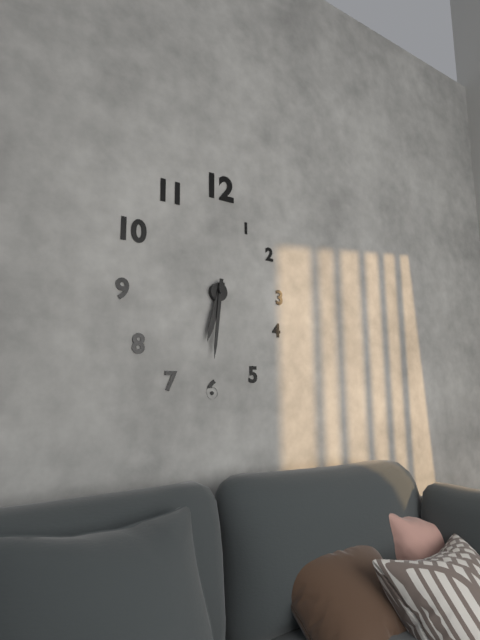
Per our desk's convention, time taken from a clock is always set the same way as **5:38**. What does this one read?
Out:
**6:31**
